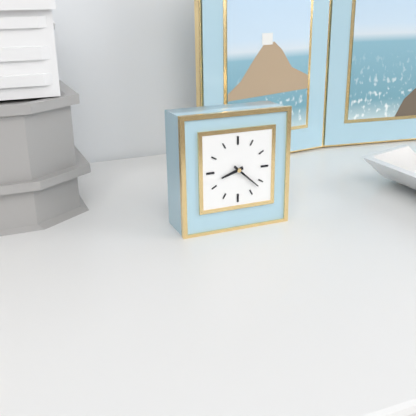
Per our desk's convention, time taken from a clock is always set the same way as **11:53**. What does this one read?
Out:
**8:22**
